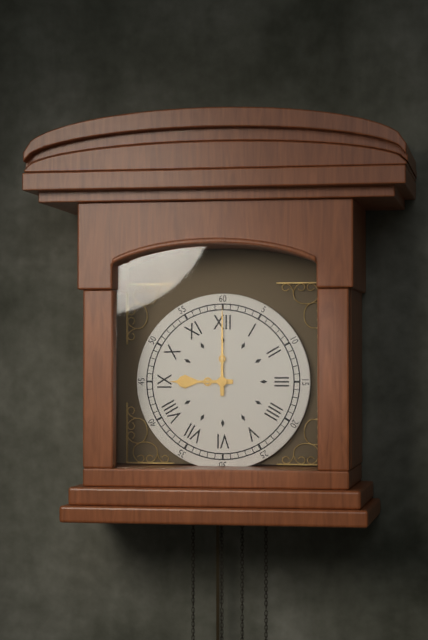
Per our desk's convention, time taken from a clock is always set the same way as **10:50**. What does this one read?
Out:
**9:00**
